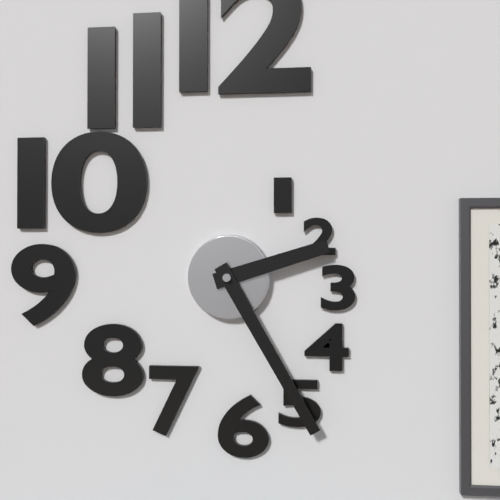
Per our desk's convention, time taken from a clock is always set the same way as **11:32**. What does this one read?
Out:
**2:25**
